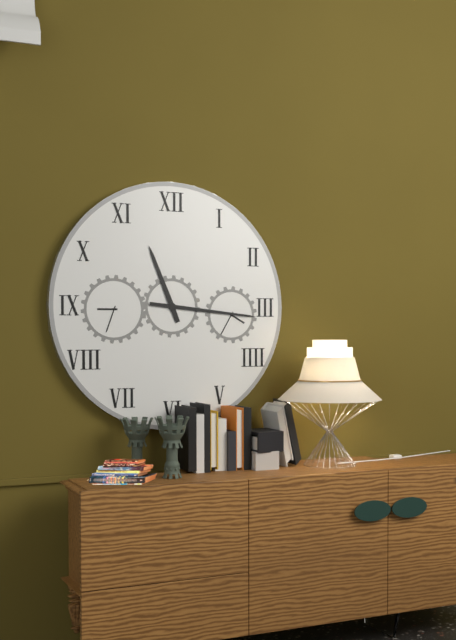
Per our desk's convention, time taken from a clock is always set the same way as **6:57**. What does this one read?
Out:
**11:16**
